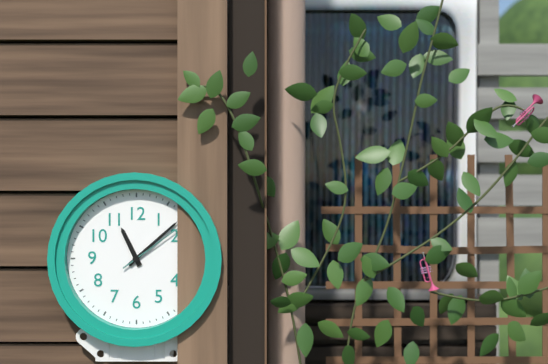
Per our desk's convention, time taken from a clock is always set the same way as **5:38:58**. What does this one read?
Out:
**11:08:09**
